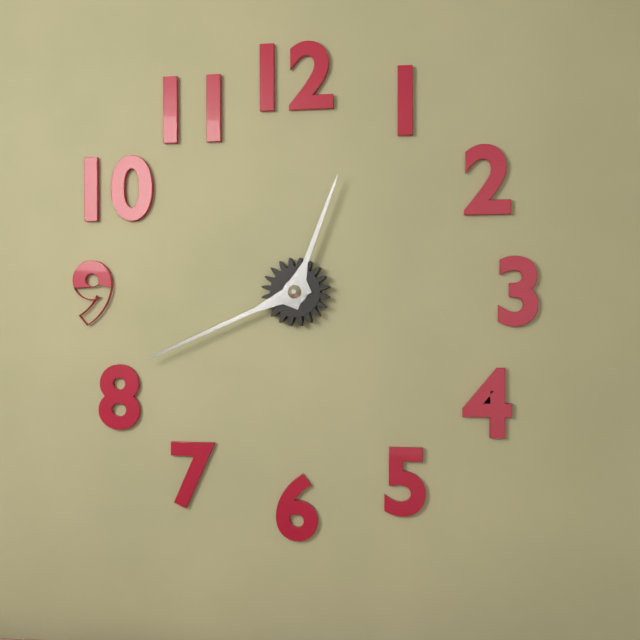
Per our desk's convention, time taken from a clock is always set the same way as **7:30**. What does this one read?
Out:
**12:41**
